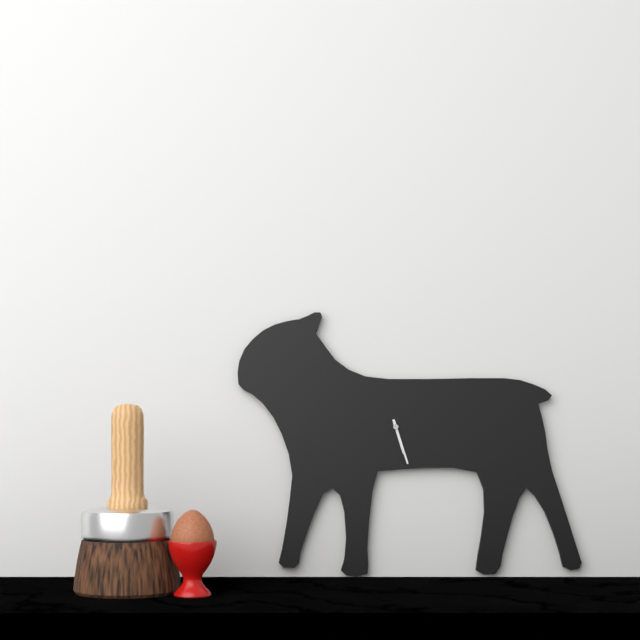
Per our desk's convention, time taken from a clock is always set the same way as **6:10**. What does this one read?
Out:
**5:27**
